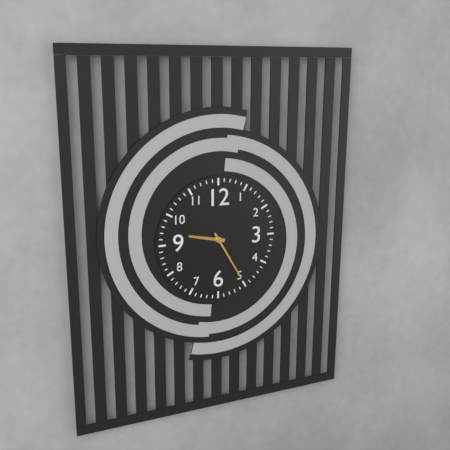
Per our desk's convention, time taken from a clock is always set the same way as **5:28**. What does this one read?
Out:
**9:25**
